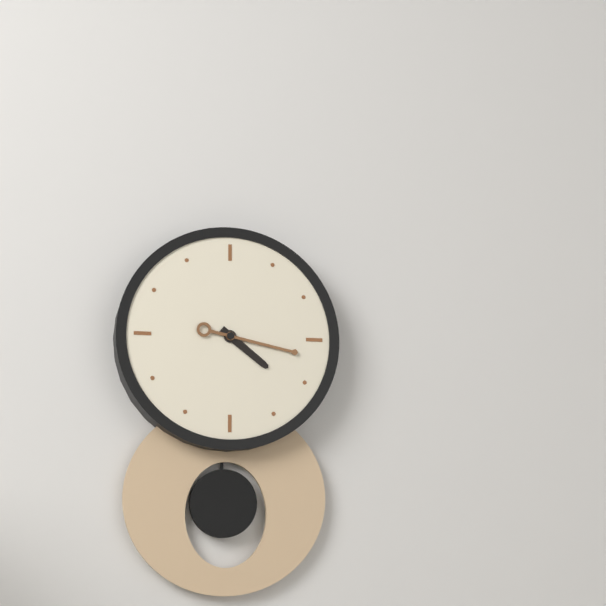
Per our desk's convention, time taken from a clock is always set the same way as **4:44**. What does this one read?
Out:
**4:17**
